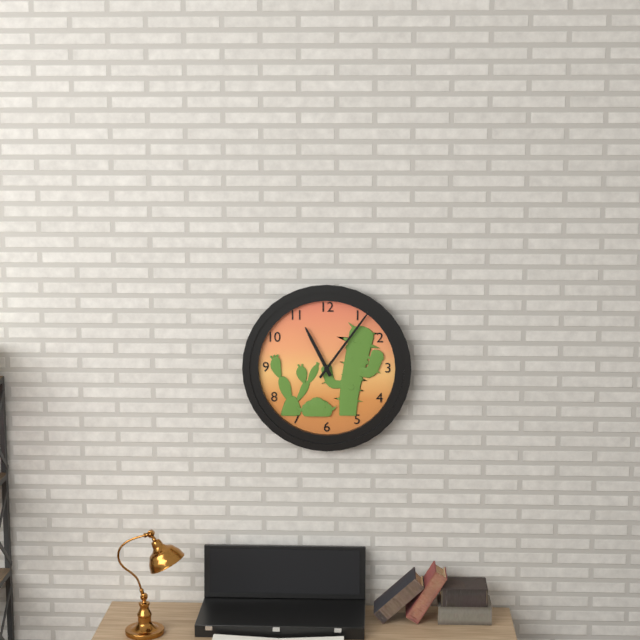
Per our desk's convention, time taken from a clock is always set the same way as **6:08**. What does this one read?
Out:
**11:06**
